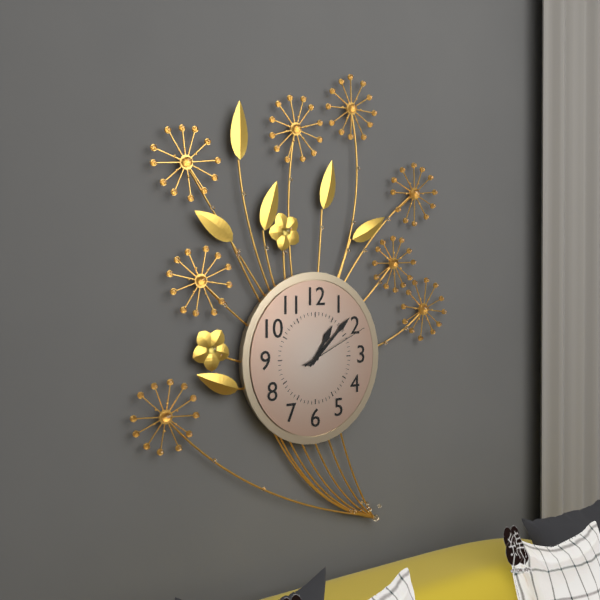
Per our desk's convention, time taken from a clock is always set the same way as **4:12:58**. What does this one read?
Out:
**1:08:11**
